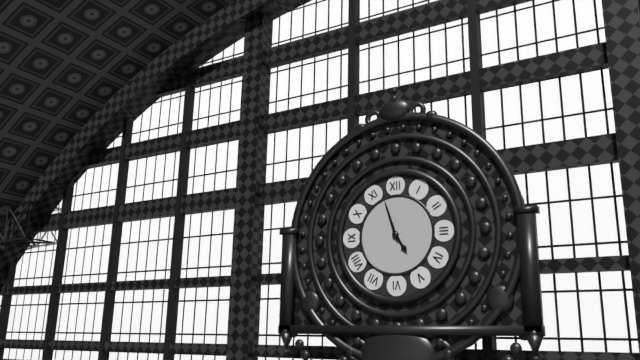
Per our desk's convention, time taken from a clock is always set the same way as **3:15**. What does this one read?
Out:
**4:57**
